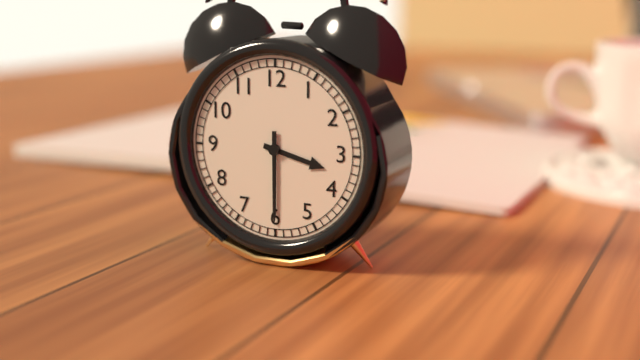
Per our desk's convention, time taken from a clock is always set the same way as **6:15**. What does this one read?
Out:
**3:30**
